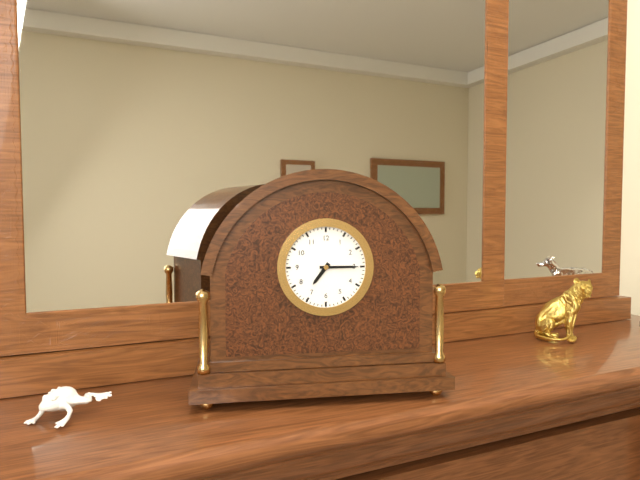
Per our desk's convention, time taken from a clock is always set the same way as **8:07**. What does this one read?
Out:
**7:15**
